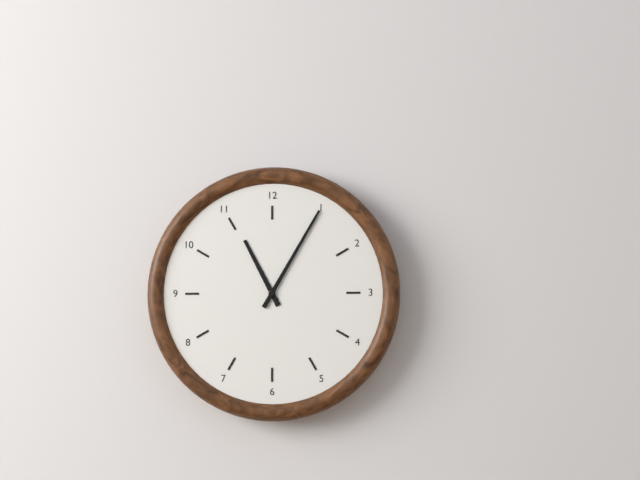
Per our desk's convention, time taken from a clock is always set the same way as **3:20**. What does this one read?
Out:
**11:05**
